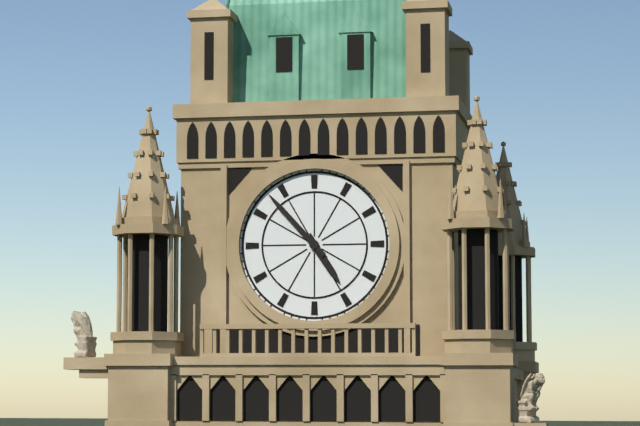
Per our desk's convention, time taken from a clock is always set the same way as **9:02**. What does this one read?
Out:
**4:53**
